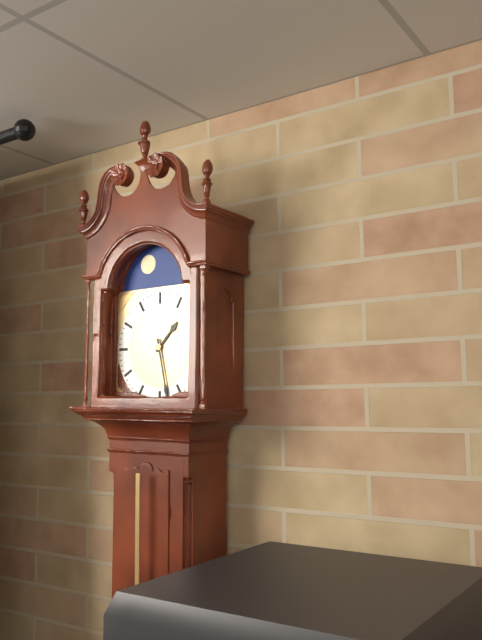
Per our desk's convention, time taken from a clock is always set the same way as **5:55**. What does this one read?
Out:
**1:28**
